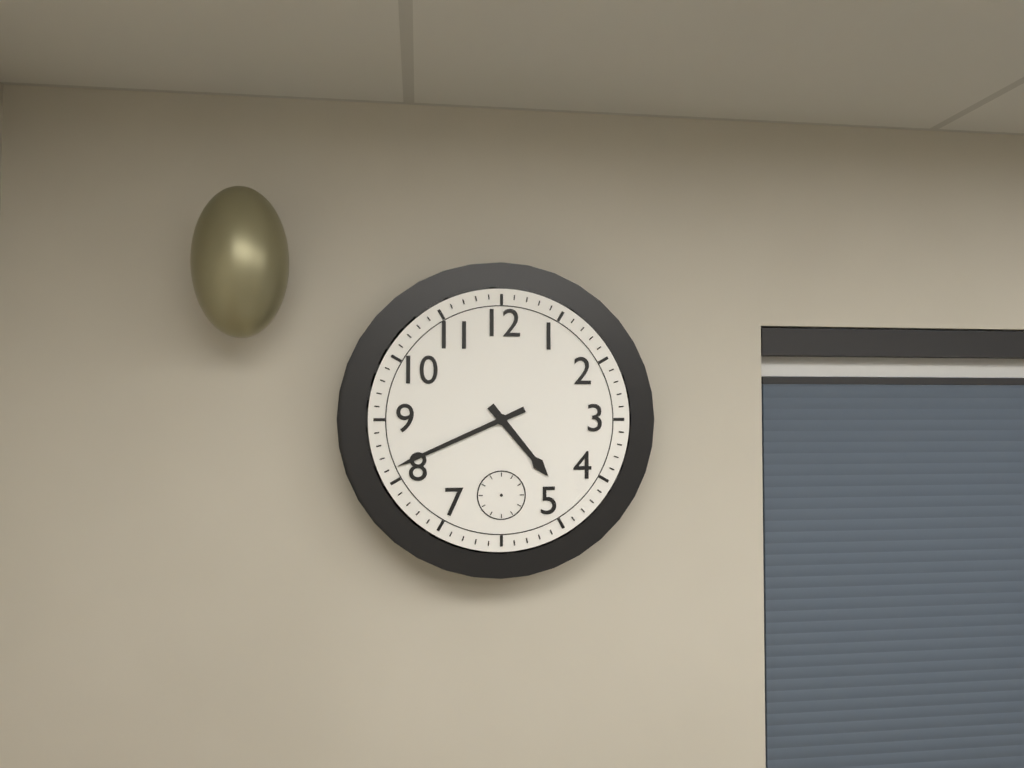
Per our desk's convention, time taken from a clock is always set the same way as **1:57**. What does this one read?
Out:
**4:41**
